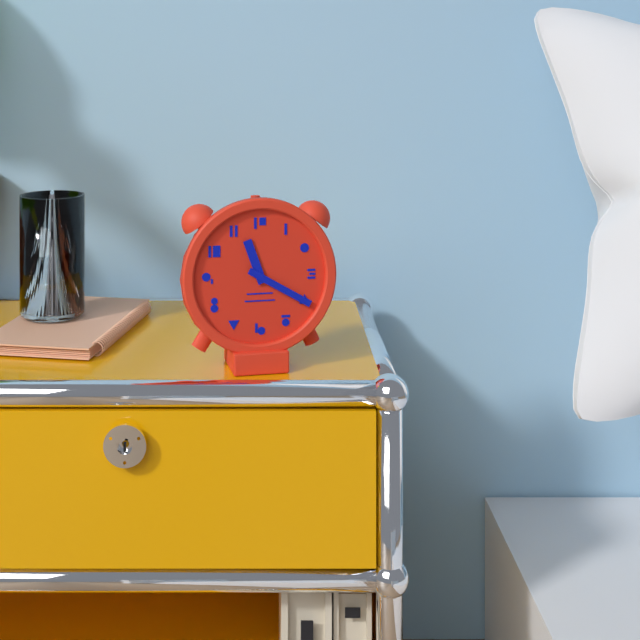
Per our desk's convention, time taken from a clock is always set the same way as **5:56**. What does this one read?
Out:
**11:20**
